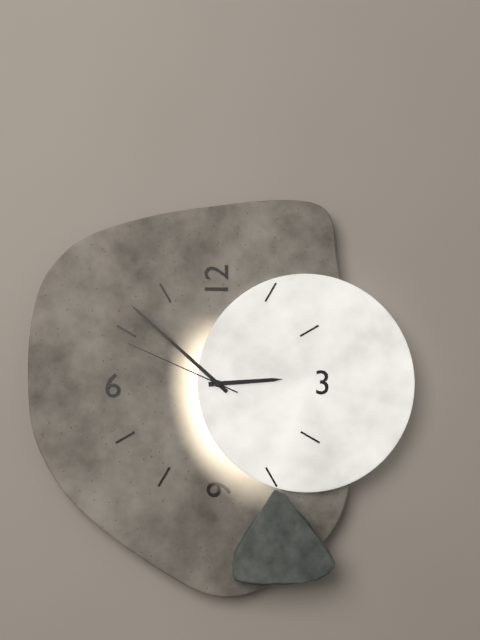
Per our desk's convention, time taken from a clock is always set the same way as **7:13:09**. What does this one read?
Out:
**2:52:49**
